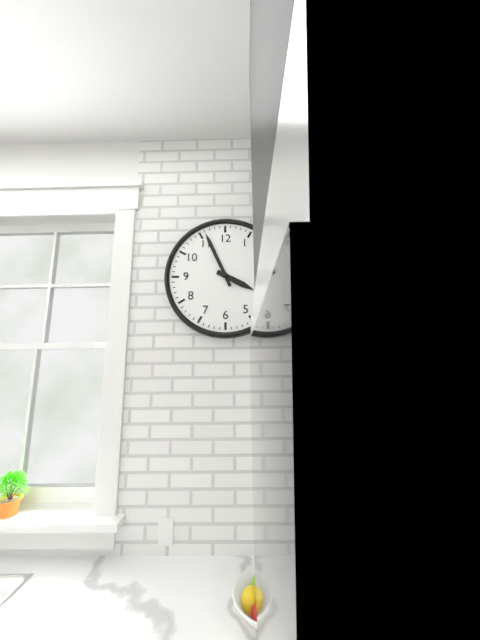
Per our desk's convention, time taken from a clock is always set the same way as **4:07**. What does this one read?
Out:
**3:56**
